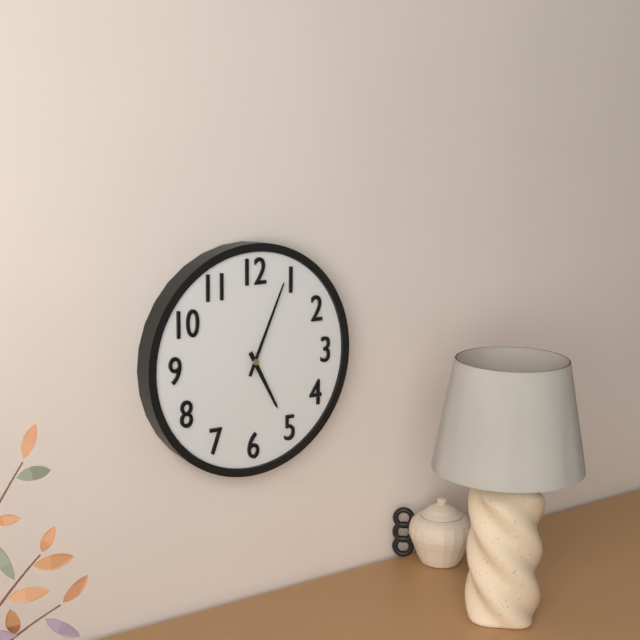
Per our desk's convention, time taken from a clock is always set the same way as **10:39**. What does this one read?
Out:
**5:04**
